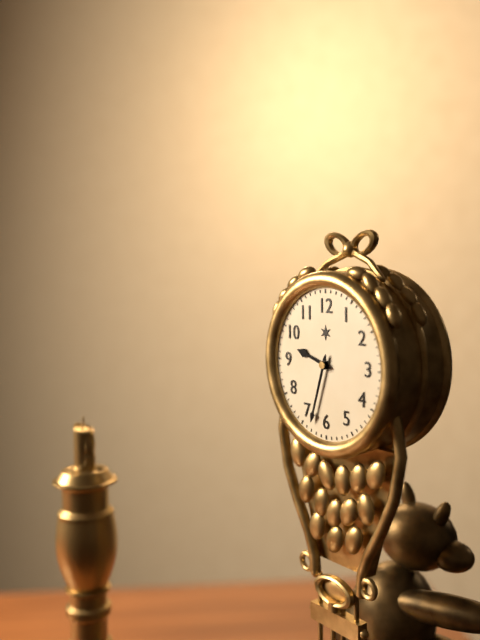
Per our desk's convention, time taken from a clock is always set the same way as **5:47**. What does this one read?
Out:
**9:33**
